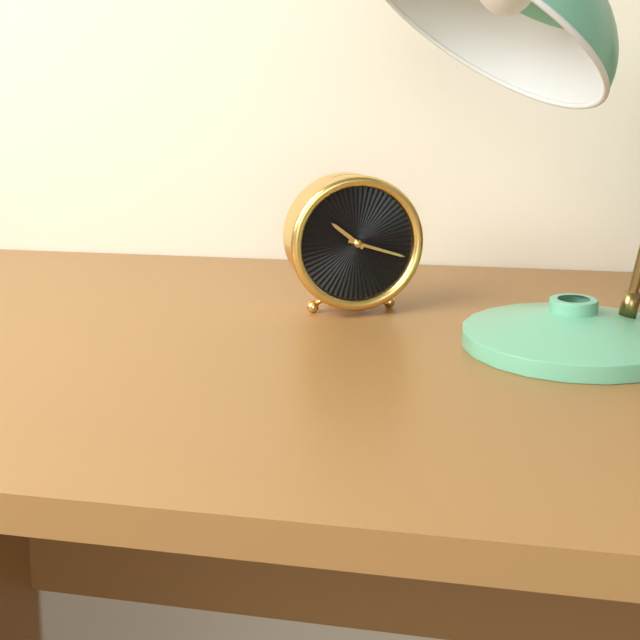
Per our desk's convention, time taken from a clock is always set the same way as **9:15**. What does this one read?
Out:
**10:18**
